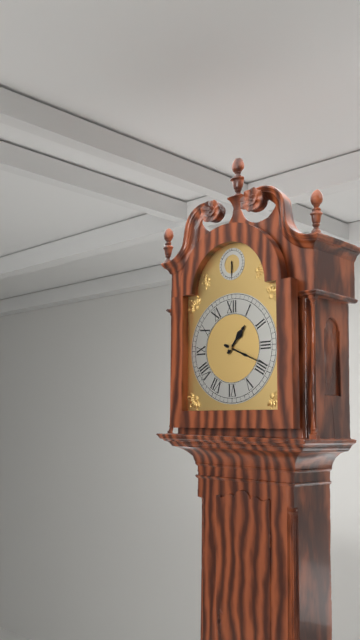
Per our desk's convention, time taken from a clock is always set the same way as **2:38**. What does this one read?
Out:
**1:19**
